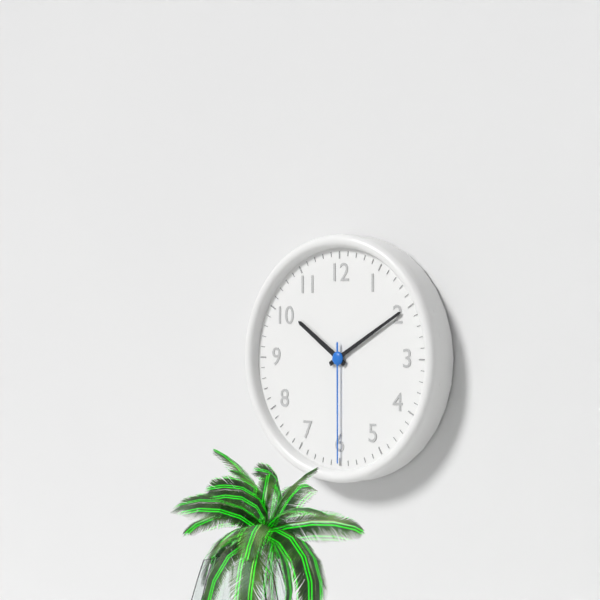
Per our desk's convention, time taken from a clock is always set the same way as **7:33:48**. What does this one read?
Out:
**10:10:30**
